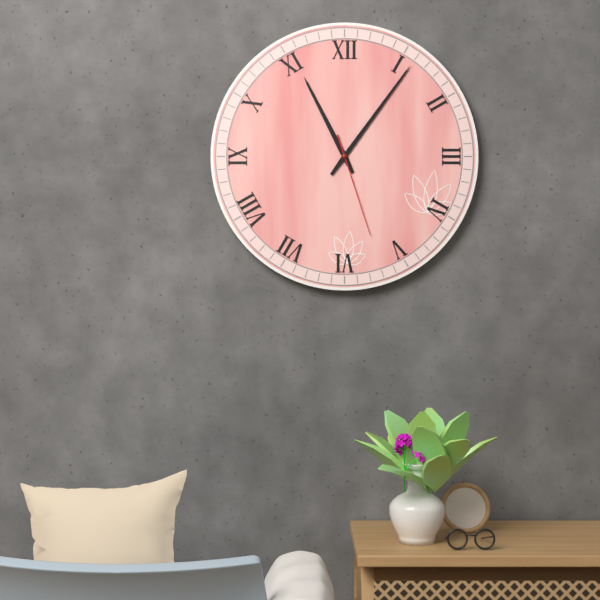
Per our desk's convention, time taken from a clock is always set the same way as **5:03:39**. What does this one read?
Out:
**11:06:27**
